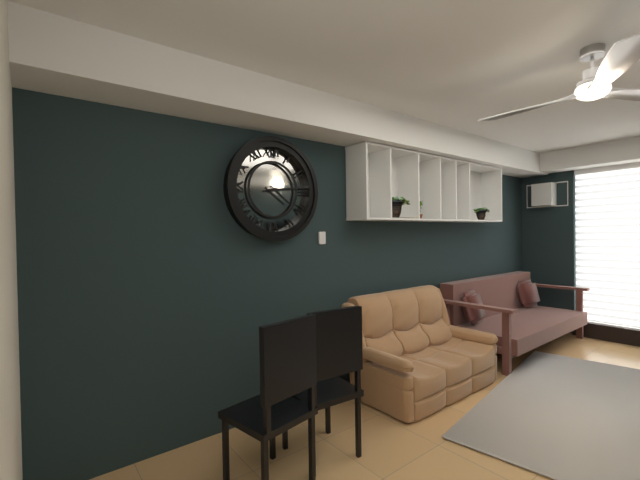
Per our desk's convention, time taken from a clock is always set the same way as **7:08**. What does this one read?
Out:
**4:14**
